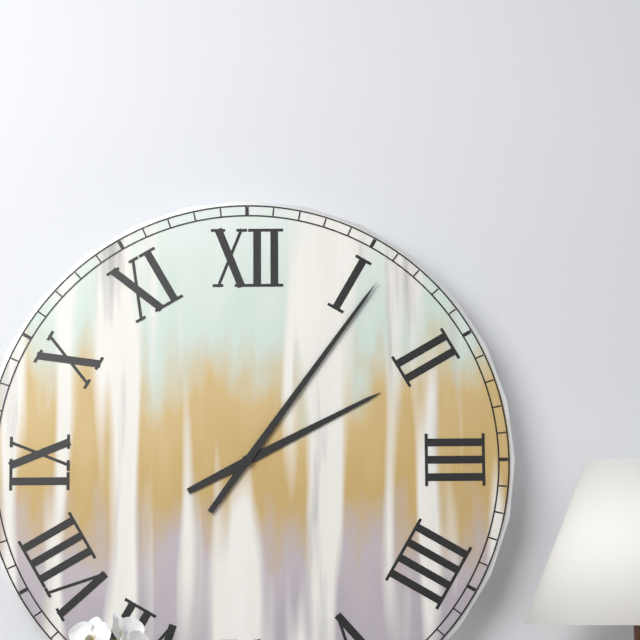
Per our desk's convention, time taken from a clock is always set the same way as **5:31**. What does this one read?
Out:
**2:06**
